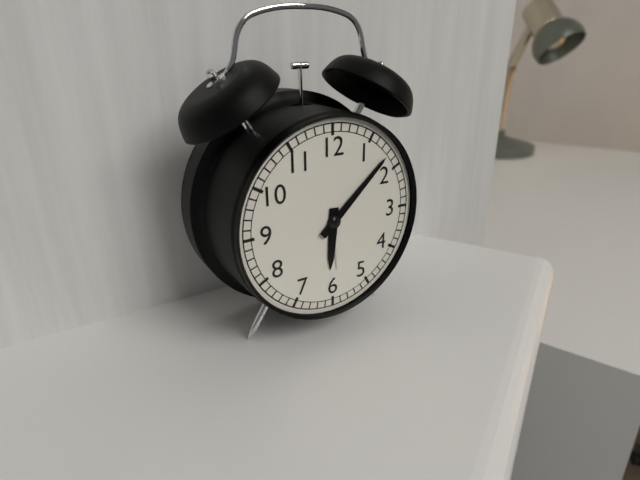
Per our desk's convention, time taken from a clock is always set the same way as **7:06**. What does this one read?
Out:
**6:08**
